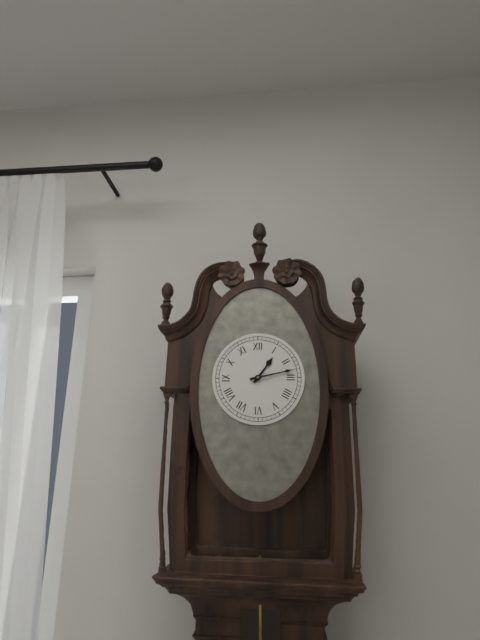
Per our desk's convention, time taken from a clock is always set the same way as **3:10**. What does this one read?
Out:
**1:13**
